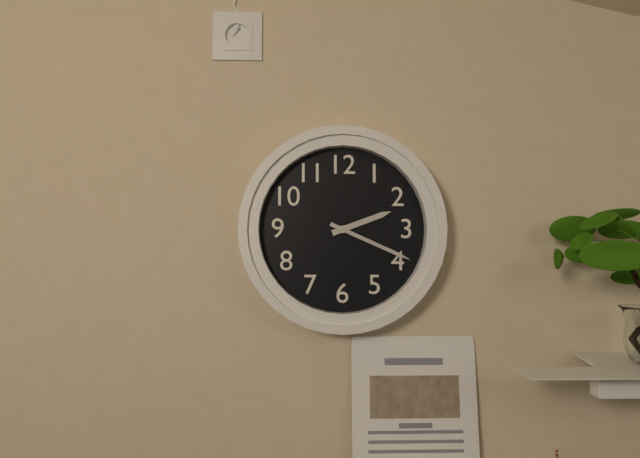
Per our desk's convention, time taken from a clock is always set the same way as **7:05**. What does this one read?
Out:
**2:19**
